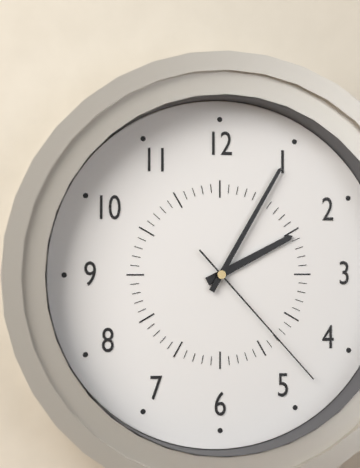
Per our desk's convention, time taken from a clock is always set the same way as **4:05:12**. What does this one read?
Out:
**2:05:23**
